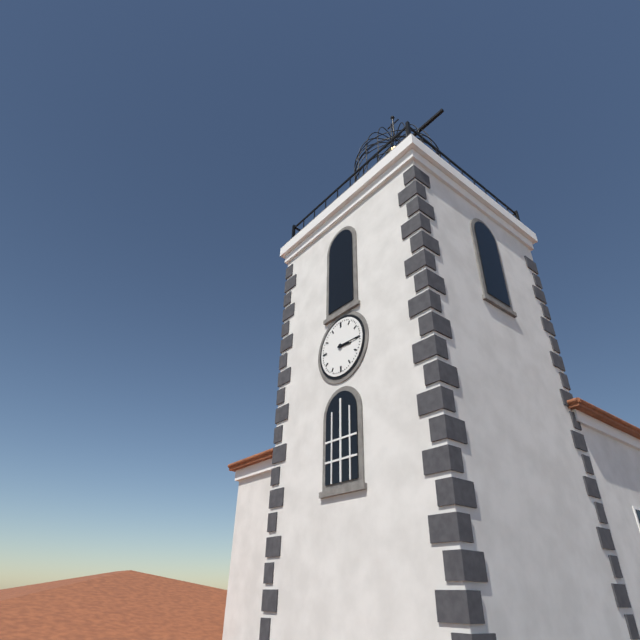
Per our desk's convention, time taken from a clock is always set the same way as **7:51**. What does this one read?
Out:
**3:15**
